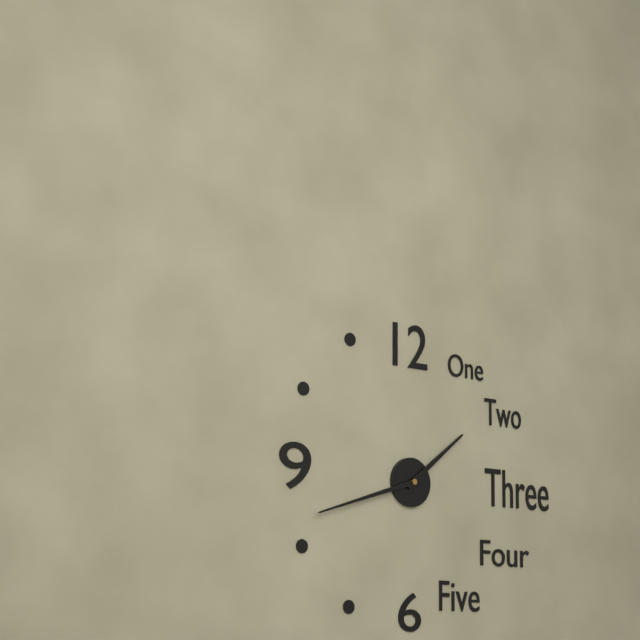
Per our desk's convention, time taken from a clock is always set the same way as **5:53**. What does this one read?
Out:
**1:42**
